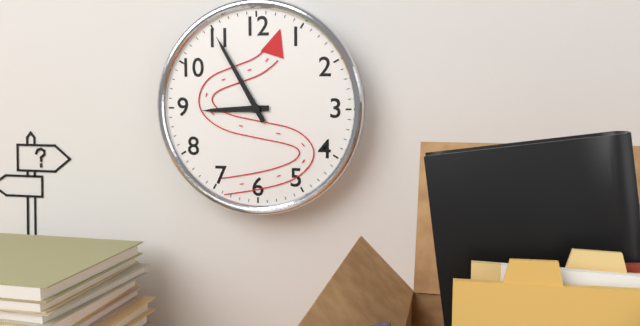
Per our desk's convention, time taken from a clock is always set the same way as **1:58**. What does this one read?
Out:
**8:55**
